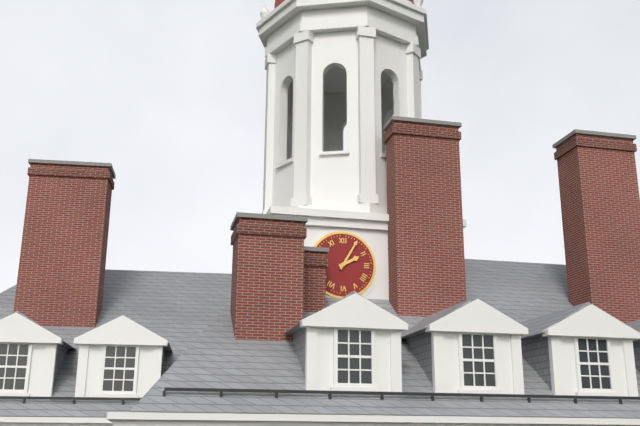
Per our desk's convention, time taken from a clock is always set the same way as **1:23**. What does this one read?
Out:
**2:05**
